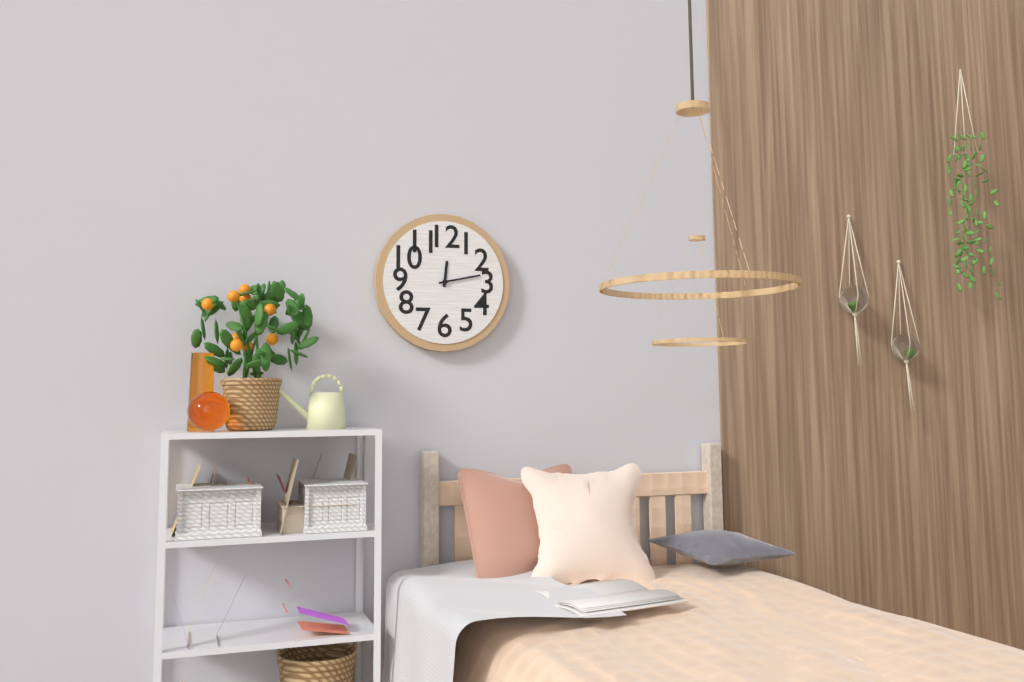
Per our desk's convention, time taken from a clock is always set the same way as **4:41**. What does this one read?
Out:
**12:13**
